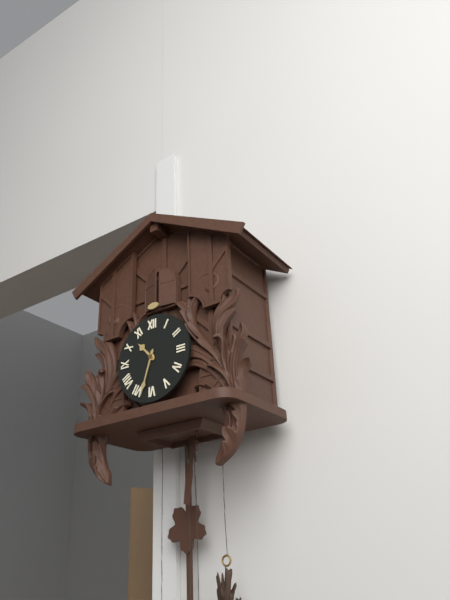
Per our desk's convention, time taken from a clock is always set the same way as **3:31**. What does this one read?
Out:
**10:33**
